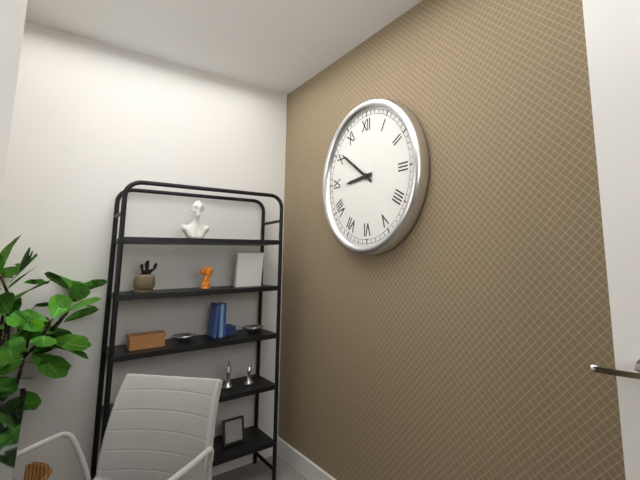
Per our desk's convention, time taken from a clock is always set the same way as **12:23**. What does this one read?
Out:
**8:51**
